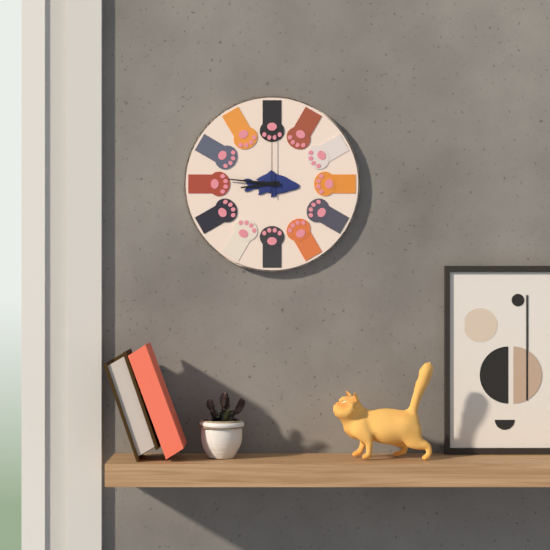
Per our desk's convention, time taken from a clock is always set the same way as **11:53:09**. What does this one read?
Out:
**8:46:00**
